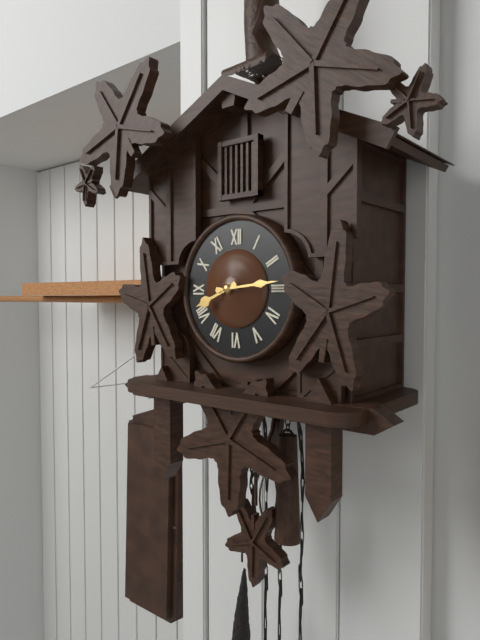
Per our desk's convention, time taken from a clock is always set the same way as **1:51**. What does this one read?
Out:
**8:14**
